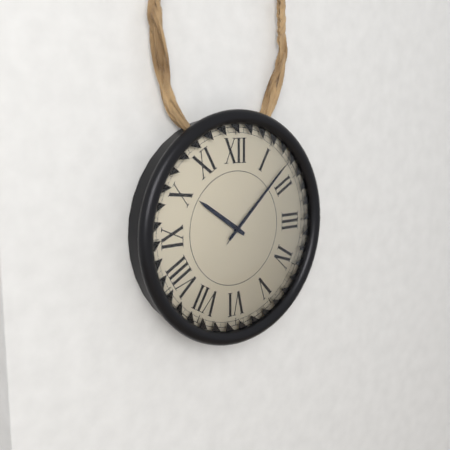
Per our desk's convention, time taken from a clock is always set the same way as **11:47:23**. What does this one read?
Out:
**10:08:08**
